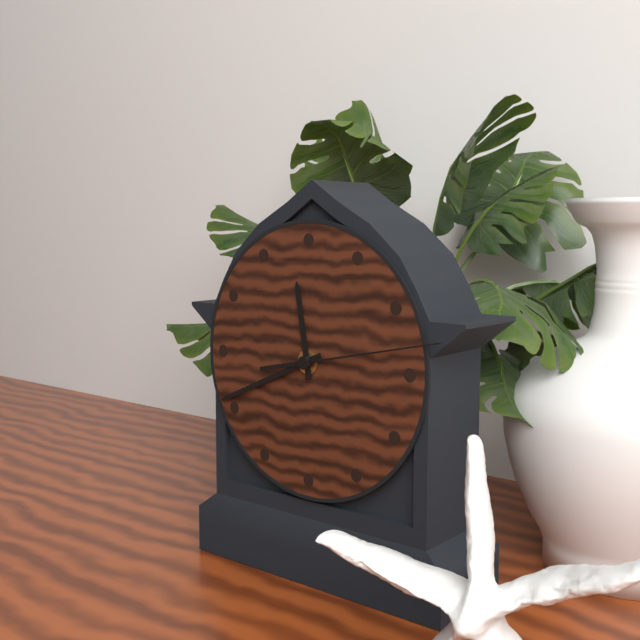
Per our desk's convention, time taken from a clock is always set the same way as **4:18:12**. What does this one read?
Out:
**11:41:13**
